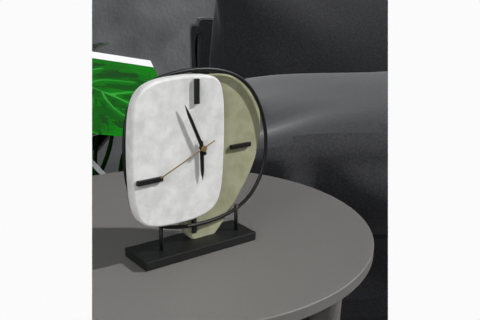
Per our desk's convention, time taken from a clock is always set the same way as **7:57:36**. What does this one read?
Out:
**5:56:41**
